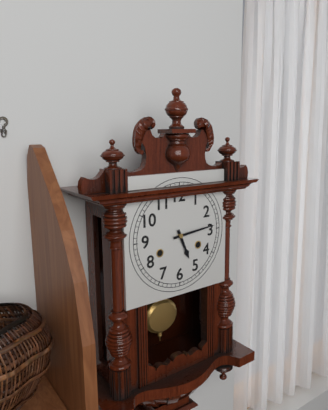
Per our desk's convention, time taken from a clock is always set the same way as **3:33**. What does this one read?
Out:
**5:14**
